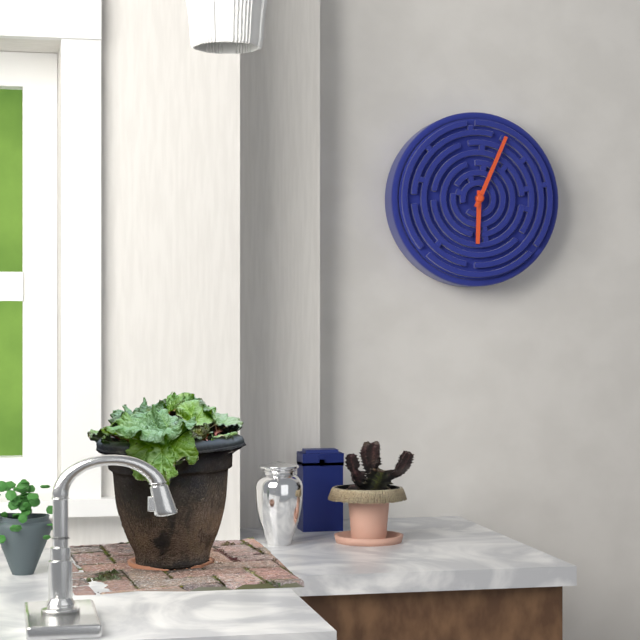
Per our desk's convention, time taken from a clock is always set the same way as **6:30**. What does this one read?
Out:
**6:04**
